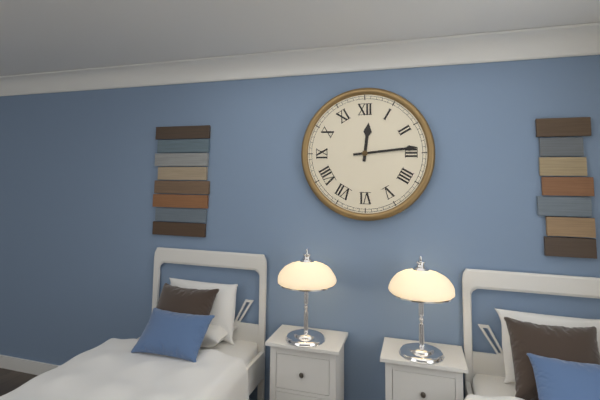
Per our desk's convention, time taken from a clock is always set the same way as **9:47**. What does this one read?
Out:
**12:14**
